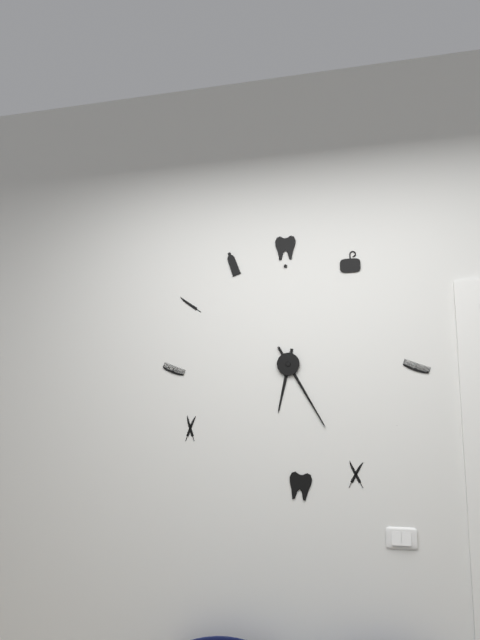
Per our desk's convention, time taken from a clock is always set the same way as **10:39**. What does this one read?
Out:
**6:25**
